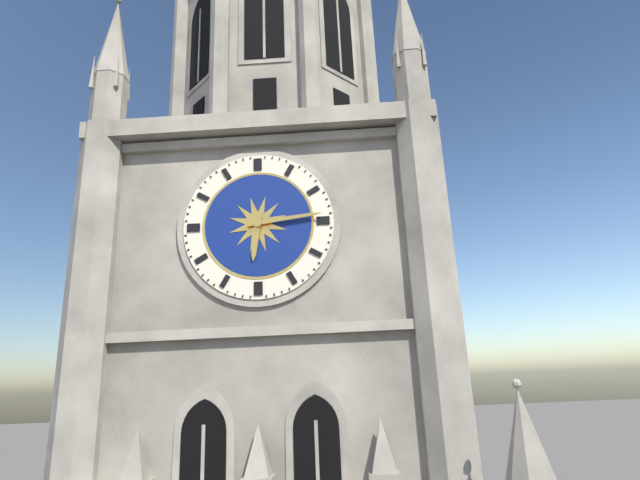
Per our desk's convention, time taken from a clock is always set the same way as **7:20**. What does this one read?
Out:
**6:14**
